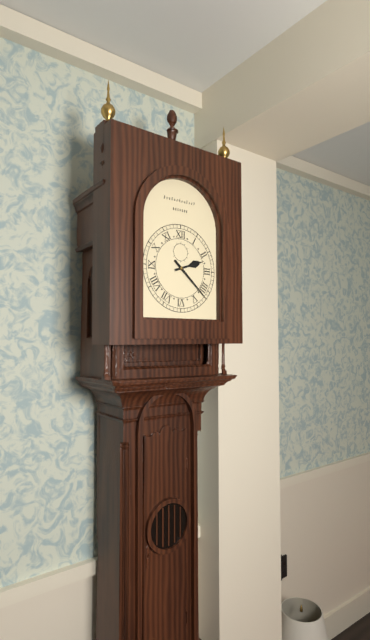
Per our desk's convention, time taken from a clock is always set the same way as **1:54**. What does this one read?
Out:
**2:22**
